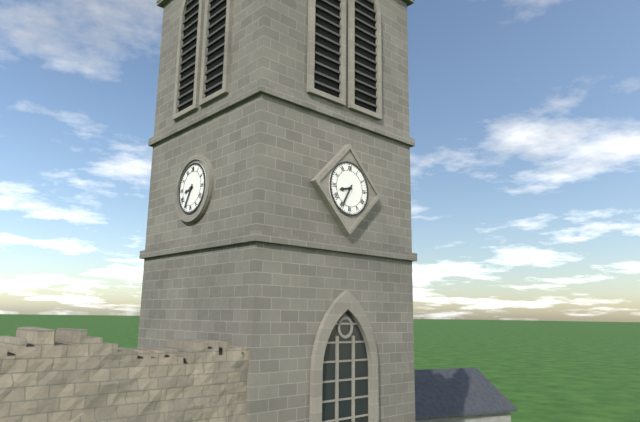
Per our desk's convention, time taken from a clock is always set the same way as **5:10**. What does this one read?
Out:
**8:35**
